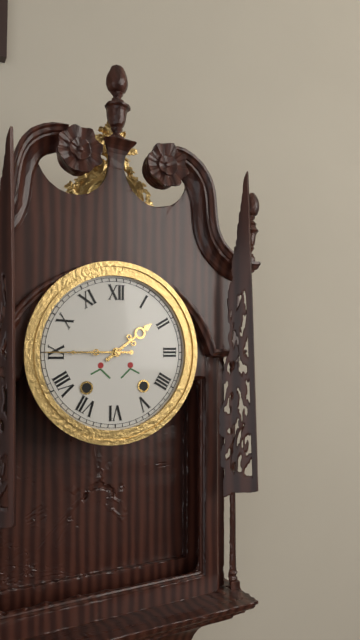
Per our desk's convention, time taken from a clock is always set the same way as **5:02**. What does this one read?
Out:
**1:45**
